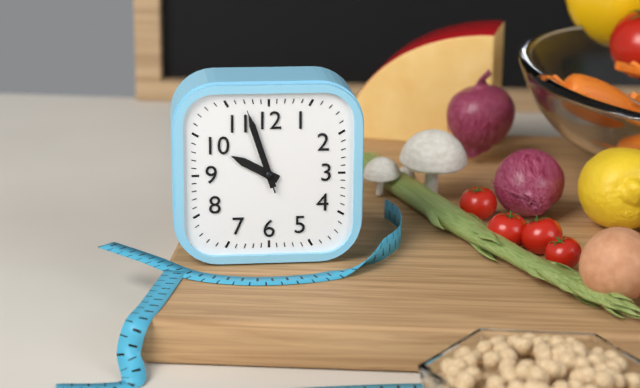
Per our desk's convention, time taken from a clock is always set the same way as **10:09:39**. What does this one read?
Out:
**9:57:57**
